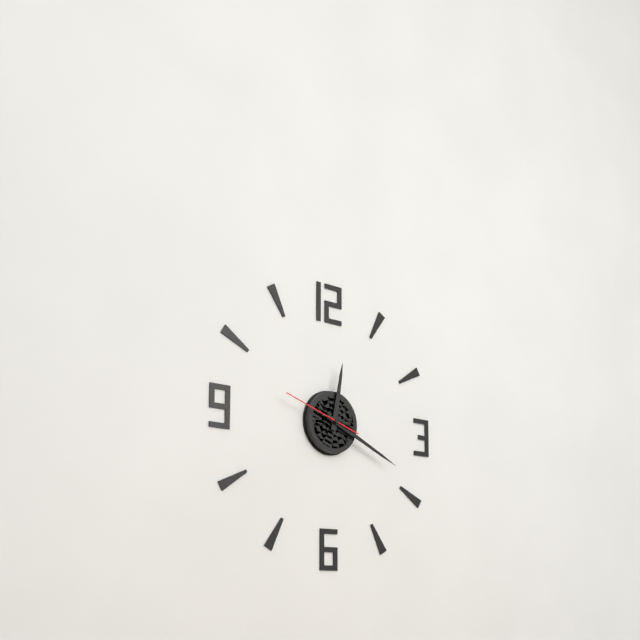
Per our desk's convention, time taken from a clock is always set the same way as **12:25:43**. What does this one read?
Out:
**12:19:48**
